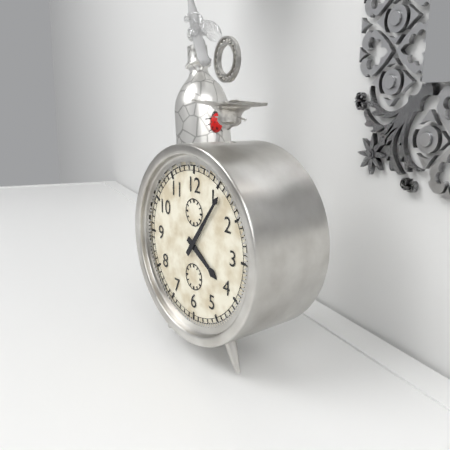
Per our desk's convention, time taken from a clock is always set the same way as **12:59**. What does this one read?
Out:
**4:06**
